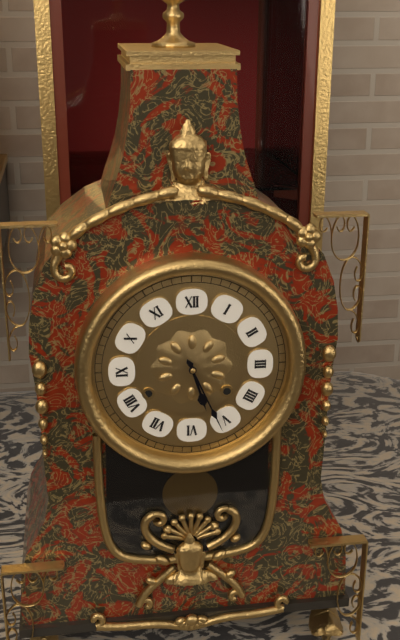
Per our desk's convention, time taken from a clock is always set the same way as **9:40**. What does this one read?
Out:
**5:26**
